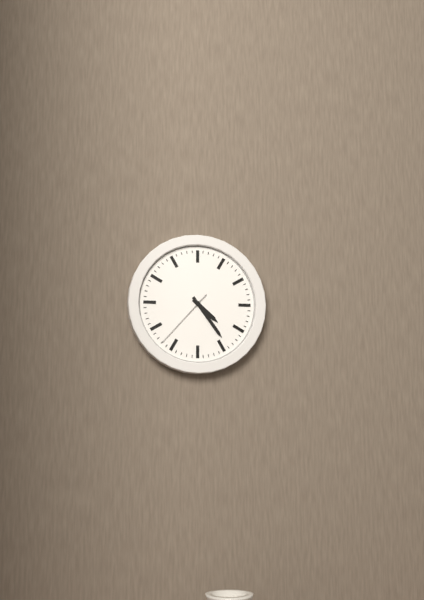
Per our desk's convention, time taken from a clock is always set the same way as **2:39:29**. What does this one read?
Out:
**4:24:37**
